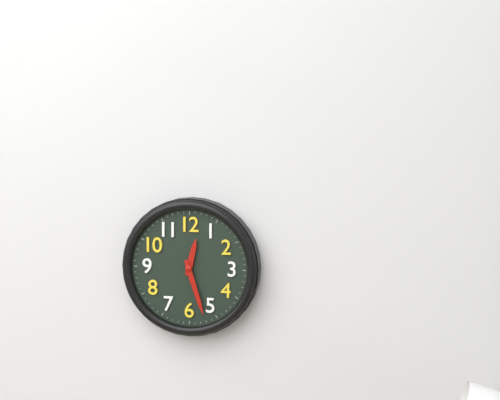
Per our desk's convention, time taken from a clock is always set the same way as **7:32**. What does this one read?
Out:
**12:27**
